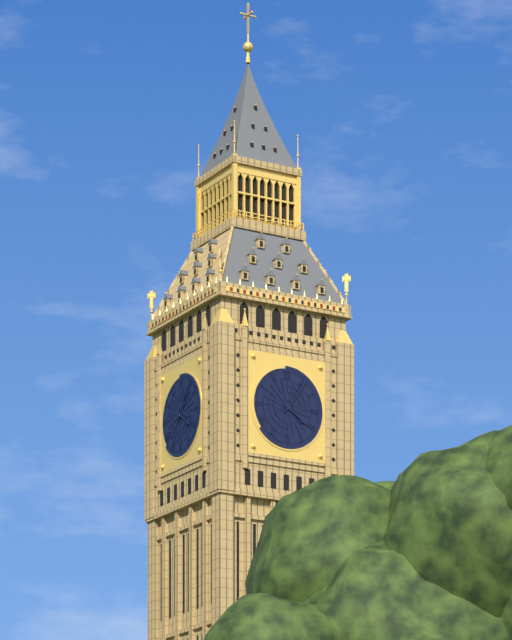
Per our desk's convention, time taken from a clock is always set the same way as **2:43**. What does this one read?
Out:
**4:06**
